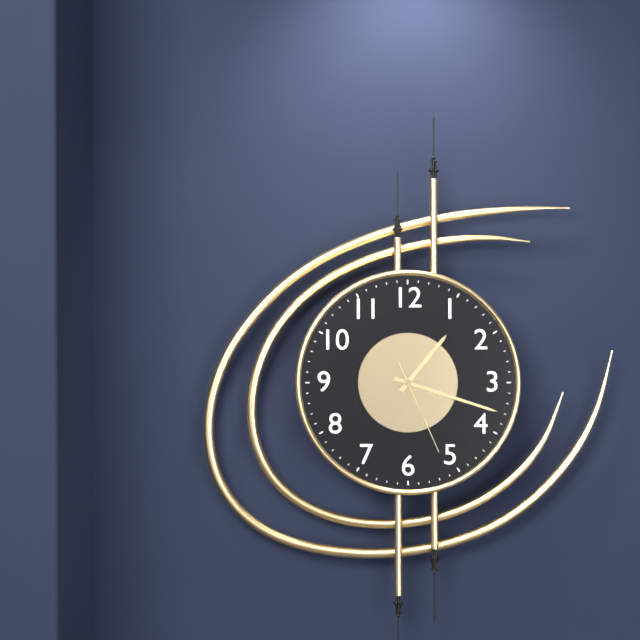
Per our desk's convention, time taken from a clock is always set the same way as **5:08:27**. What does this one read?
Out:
**1:18:26**
